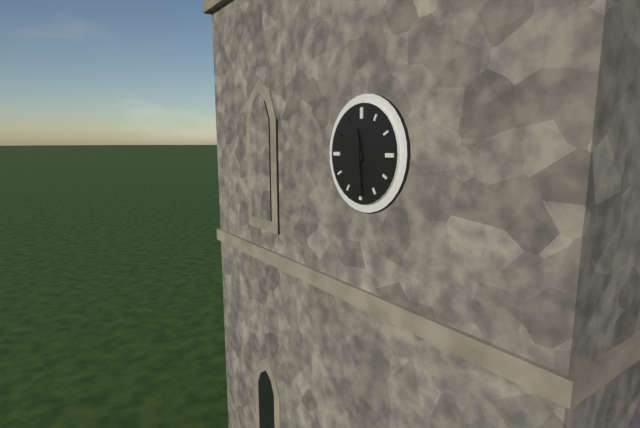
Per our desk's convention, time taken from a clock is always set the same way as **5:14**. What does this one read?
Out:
**11:29**
